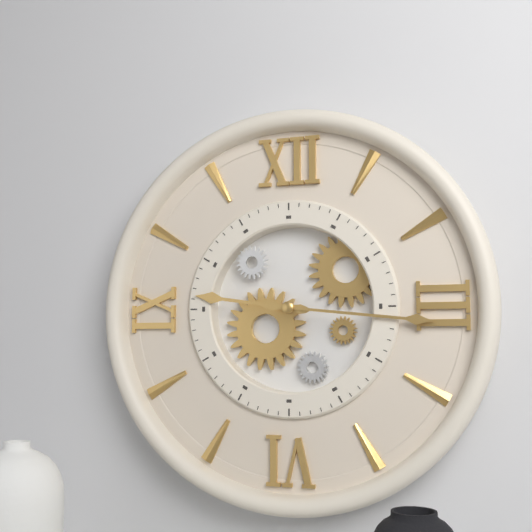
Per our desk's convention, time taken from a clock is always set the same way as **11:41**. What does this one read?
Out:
**9:16**
